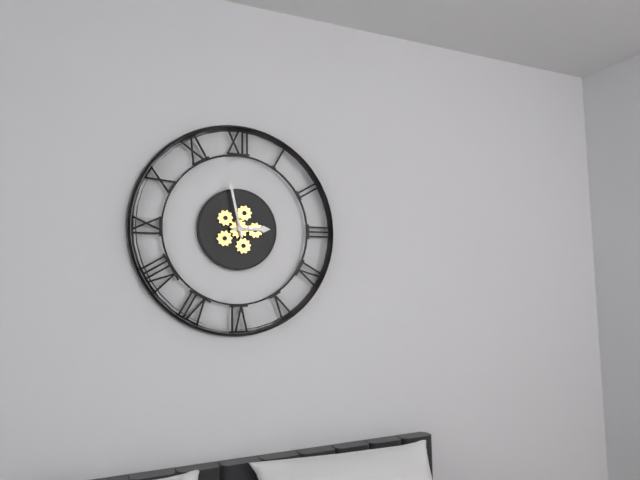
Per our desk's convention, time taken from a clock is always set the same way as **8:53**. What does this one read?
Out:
**2:58**
